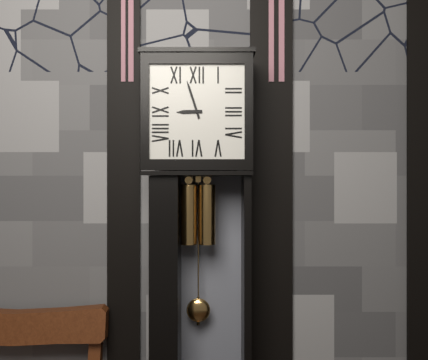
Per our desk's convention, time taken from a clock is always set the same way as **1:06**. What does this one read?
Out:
**8:57**
